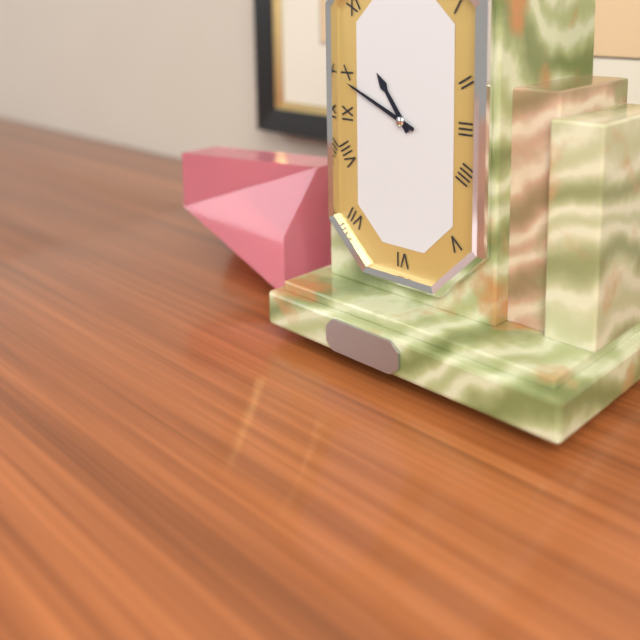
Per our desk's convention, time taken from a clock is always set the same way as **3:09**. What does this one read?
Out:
**10:49**
